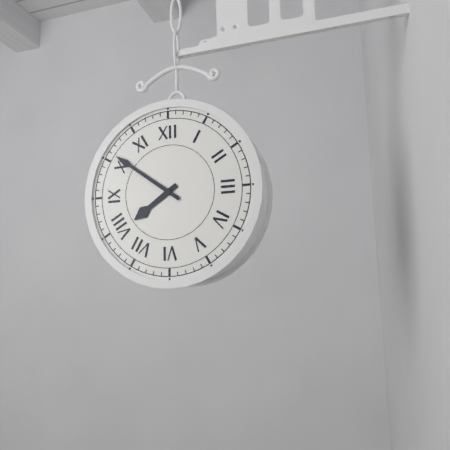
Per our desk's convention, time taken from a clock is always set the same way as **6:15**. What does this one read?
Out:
**7:51**
